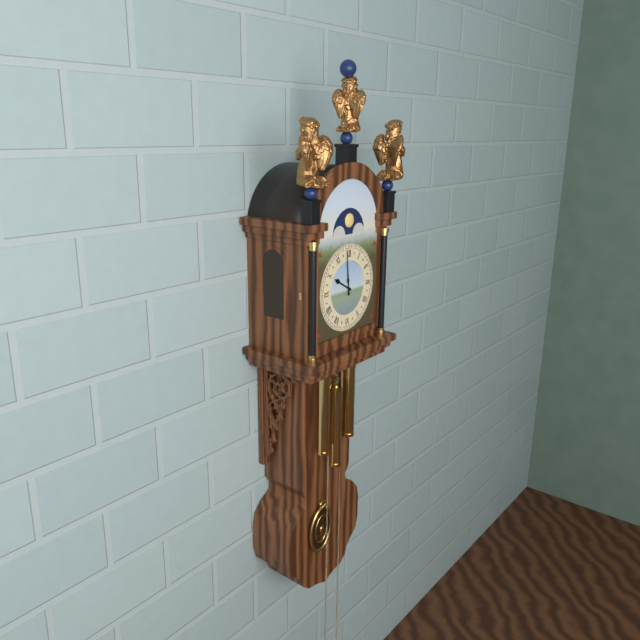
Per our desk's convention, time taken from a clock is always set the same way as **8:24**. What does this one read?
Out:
**9:59**
